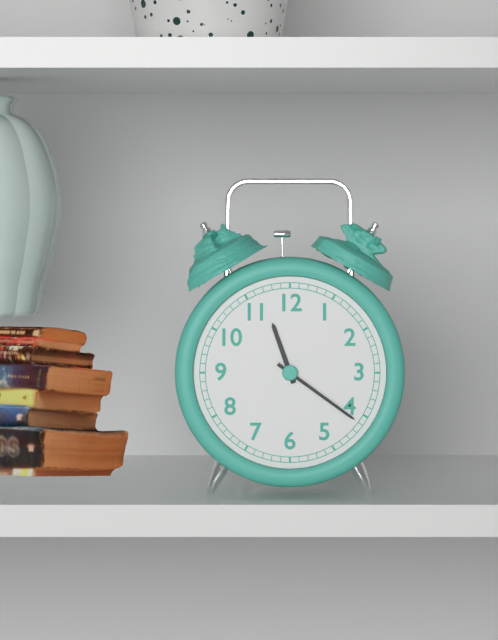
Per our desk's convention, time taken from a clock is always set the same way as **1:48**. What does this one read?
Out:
**11:21**
